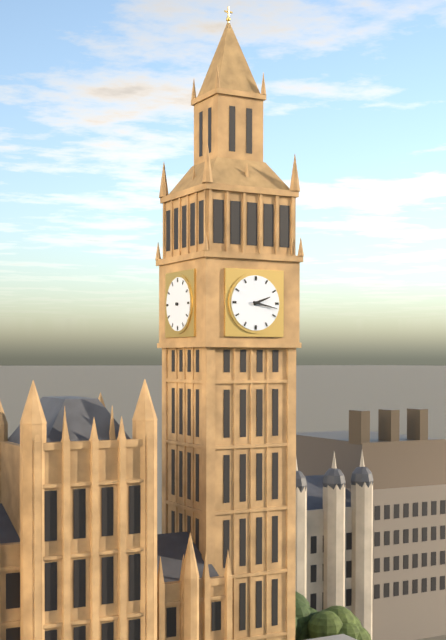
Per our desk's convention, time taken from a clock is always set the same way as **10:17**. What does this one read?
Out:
**2:17**
